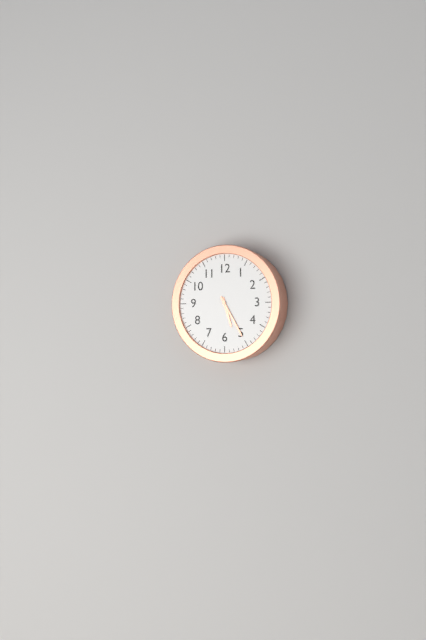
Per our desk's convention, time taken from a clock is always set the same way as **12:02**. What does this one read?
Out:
**5:25**
